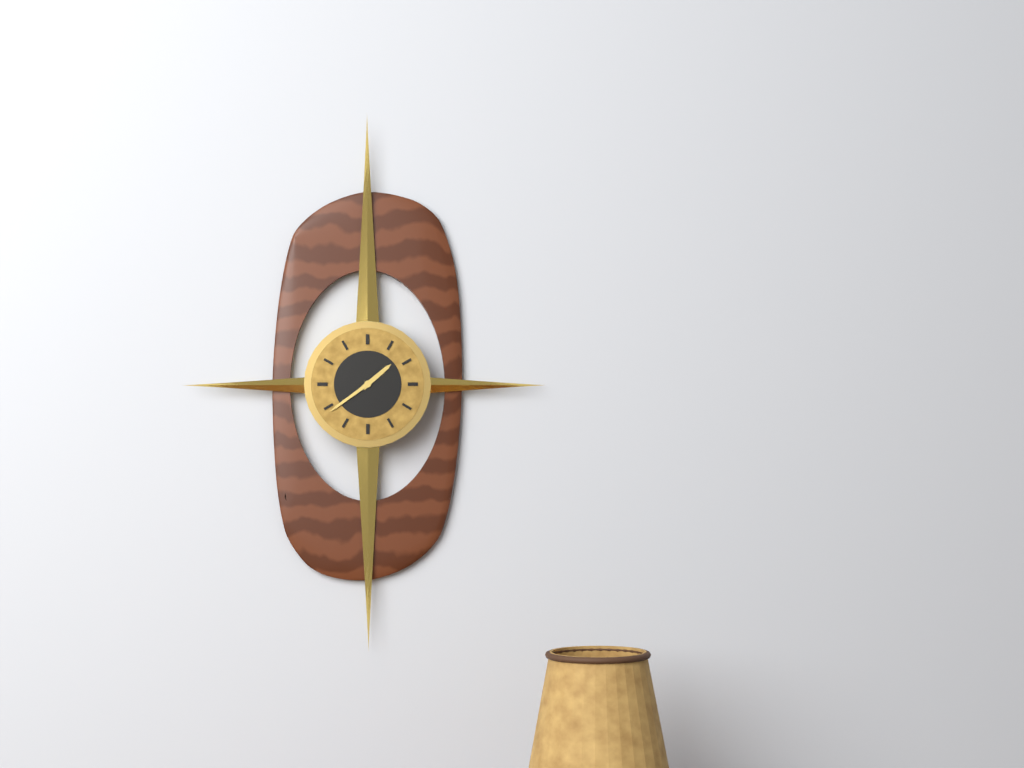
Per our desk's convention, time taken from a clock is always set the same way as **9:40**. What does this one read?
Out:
**1:39**
